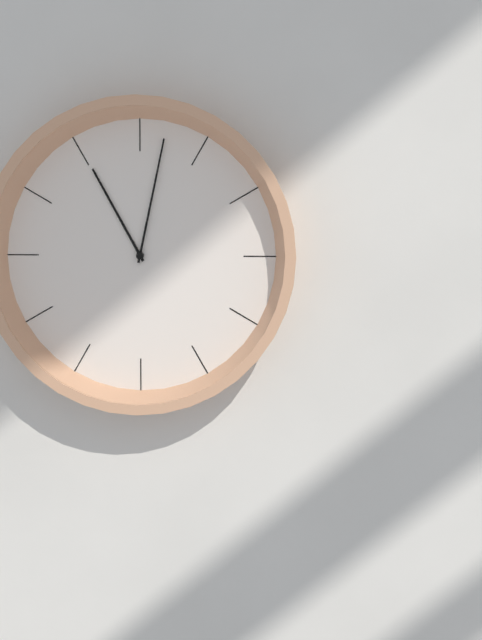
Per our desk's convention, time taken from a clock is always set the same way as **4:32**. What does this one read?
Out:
**11:02**
